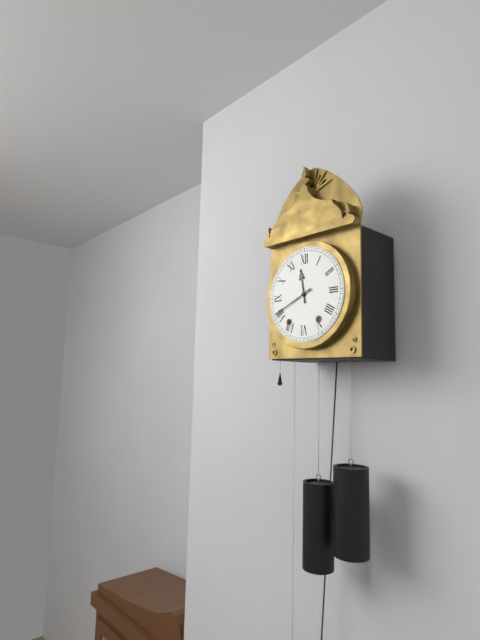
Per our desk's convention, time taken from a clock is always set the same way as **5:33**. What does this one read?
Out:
**11:41**
